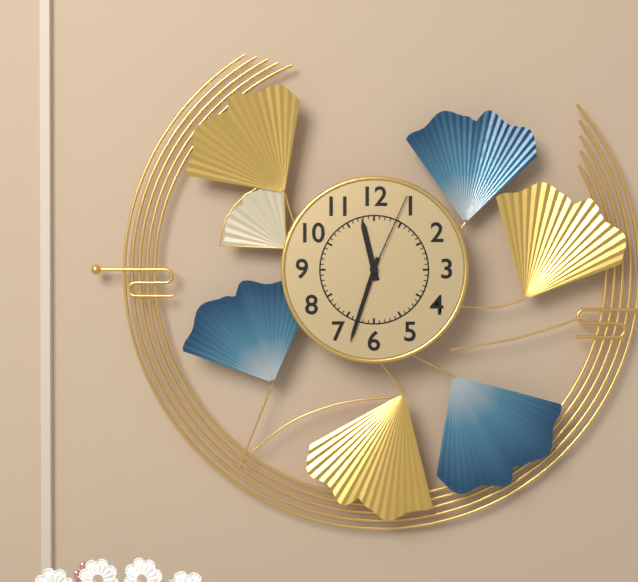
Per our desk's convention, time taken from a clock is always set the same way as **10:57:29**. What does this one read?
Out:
**11:33:04**
